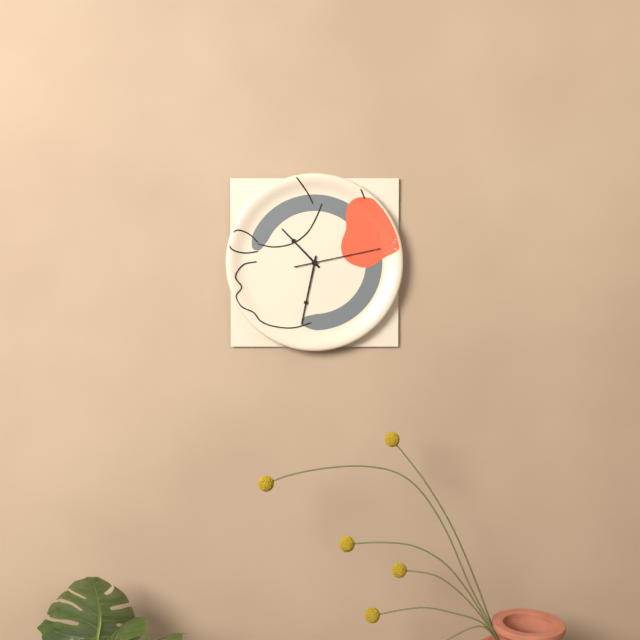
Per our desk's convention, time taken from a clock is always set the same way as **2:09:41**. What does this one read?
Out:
**10:32:13**
